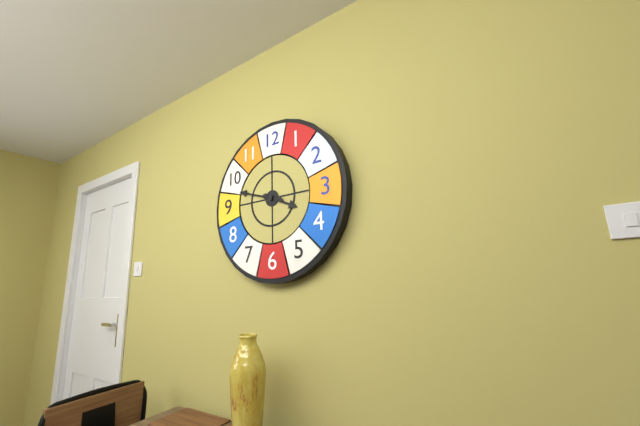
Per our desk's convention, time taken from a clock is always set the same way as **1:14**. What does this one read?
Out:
**3:48**
